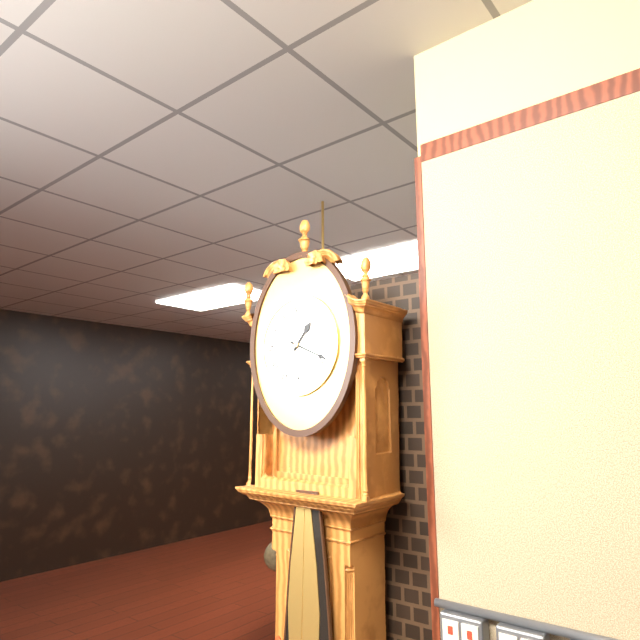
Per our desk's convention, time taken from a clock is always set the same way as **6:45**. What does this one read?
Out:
**1:19**
